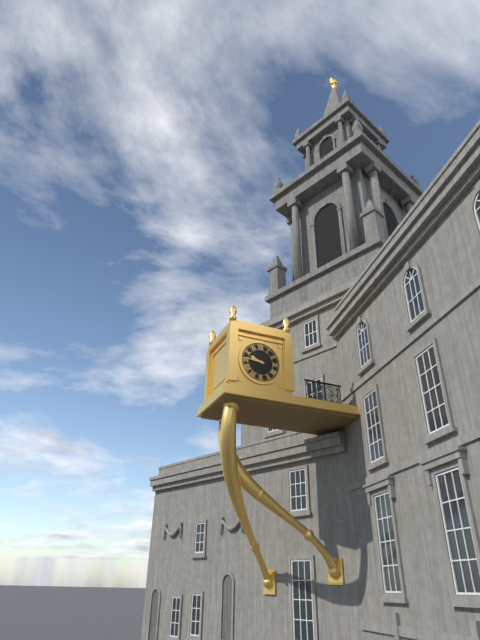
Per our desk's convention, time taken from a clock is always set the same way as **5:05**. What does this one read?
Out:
**9:46**
